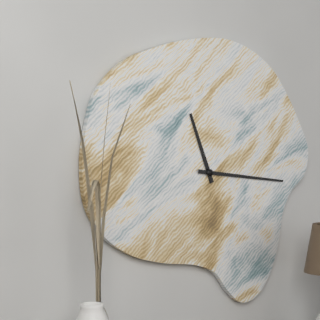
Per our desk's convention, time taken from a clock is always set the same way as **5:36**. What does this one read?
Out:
**11:16**
